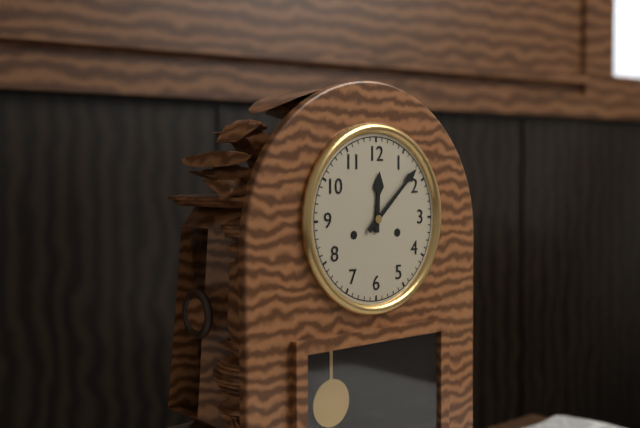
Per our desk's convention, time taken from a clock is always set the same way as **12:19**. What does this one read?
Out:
**12:08**
